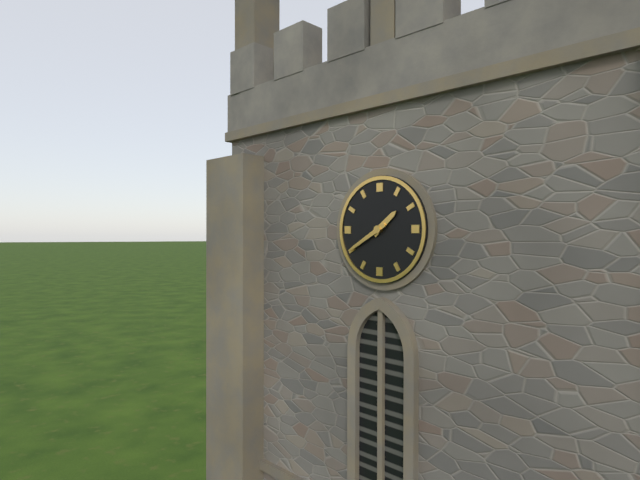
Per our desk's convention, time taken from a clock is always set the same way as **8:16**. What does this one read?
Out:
**1:40**
